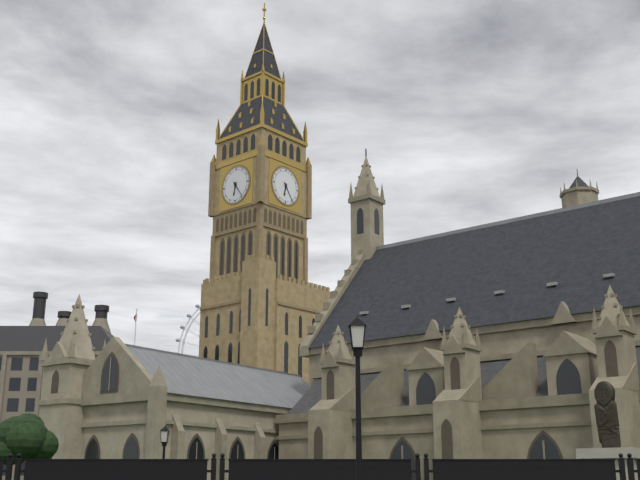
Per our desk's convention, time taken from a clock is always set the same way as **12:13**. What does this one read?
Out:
**6:24**
